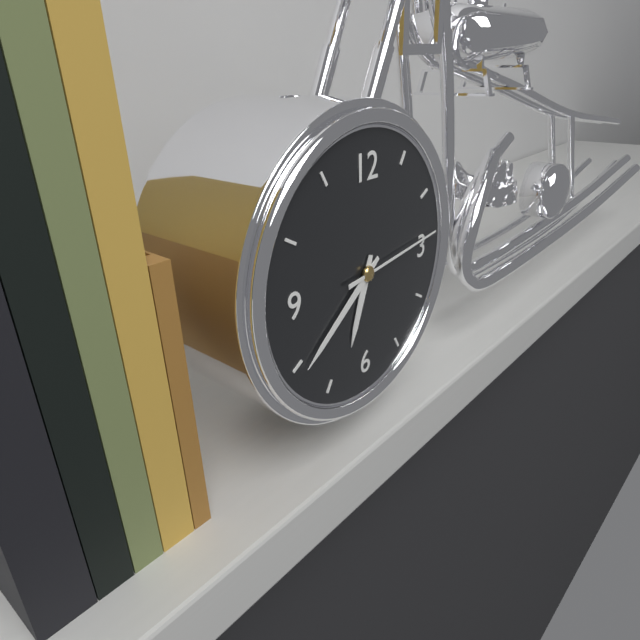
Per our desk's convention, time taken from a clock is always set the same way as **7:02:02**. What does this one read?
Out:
**6:39:14**
